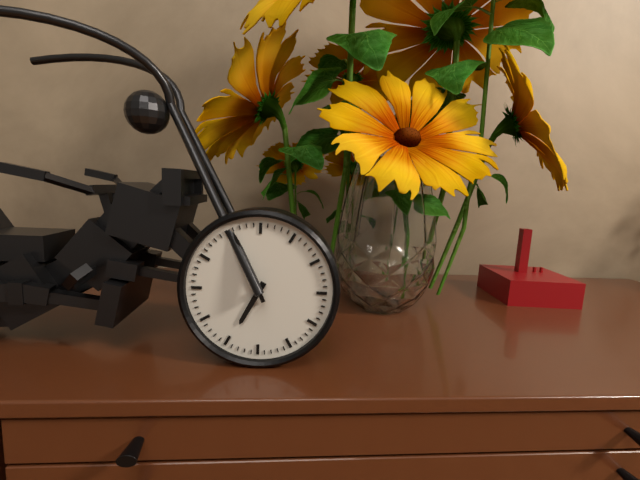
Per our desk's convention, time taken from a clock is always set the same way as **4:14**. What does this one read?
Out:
**6:56**
